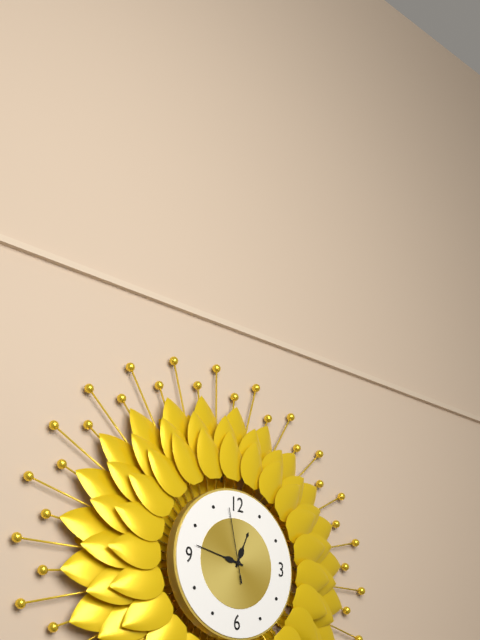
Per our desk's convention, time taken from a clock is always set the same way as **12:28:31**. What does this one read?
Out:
**12:47:58**
